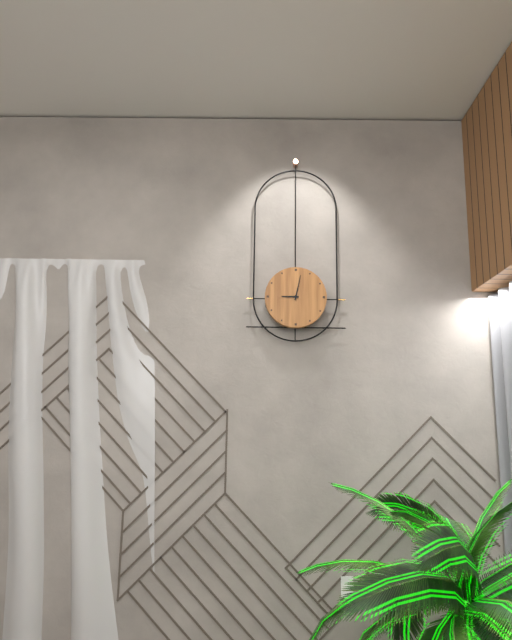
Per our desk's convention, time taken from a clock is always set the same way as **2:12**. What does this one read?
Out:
**9:02**
